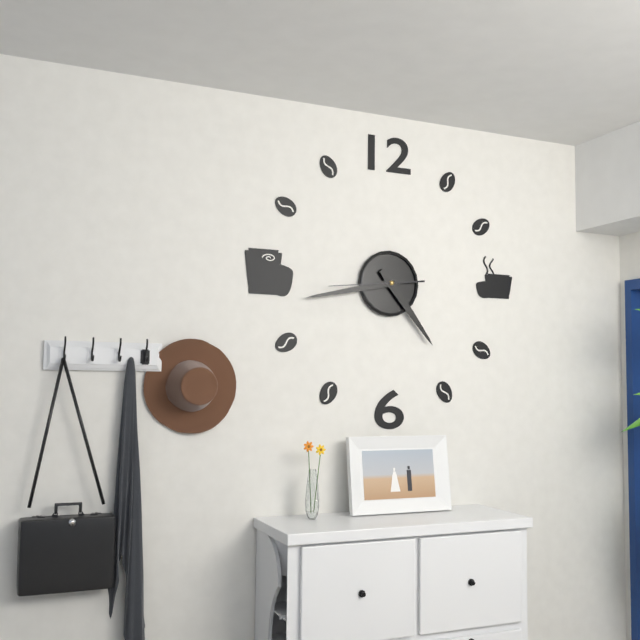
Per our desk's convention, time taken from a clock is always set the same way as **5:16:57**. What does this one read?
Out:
**4:43:44**
